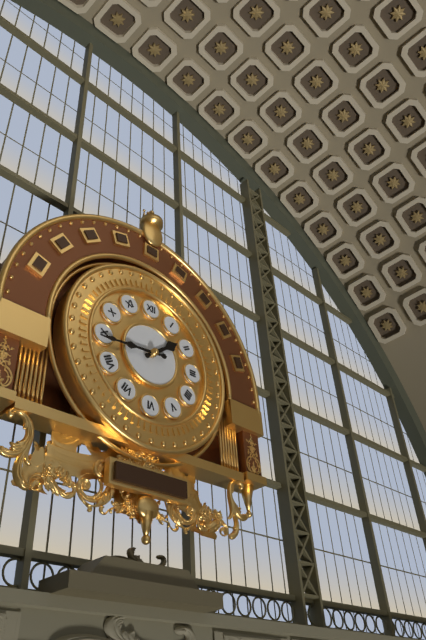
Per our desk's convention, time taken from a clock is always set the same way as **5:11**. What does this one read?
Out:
**1:44**
